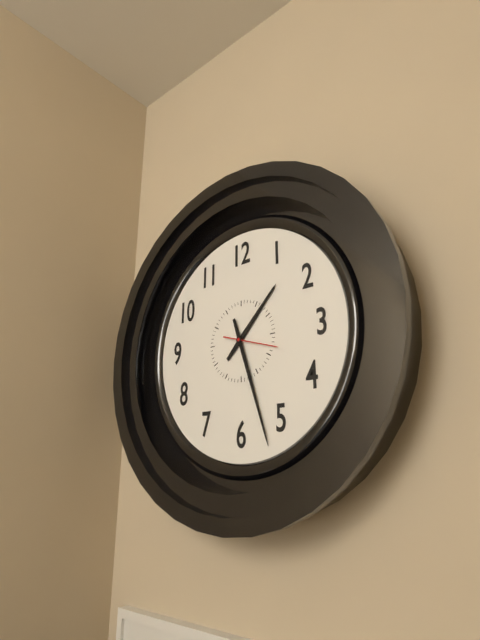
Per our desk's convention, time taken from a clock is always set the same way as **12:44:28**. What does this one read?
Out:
**1:27:18**
